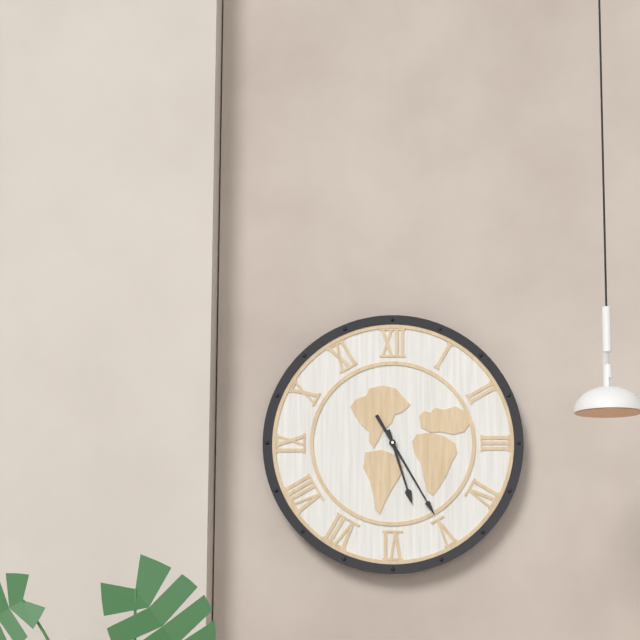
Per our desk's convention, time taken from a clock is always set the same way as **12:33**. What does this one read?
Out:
**5:25**
